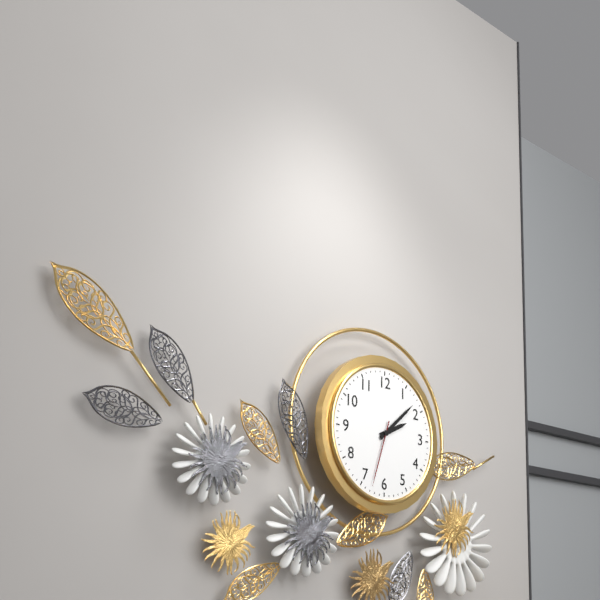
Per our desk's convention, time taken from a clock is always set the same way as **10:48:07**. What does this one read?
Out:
**2:08:33**
